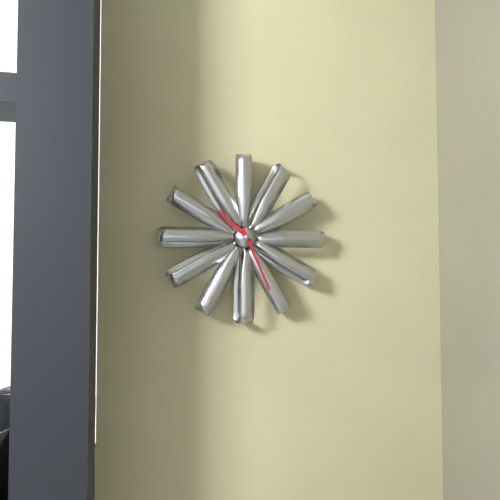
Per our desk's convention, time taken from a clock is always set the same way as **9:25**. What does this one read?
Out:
**10:26**
